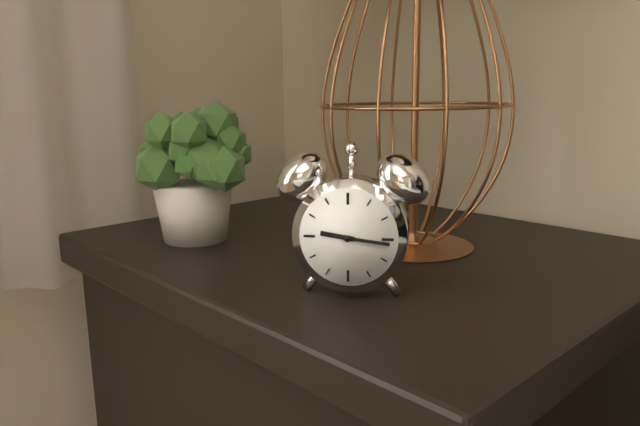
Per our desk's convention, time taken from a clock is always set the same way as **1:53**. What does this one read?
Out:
**9:16**
